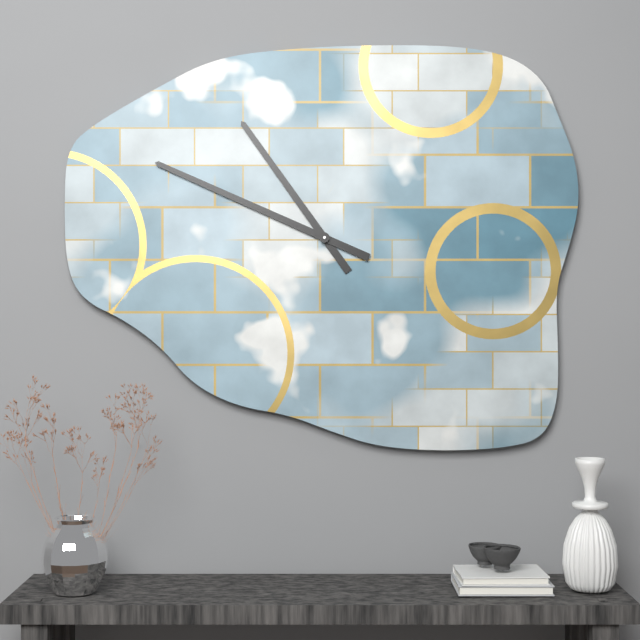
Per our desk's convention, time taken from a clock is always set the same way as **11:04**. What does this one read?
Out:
**10:49**
